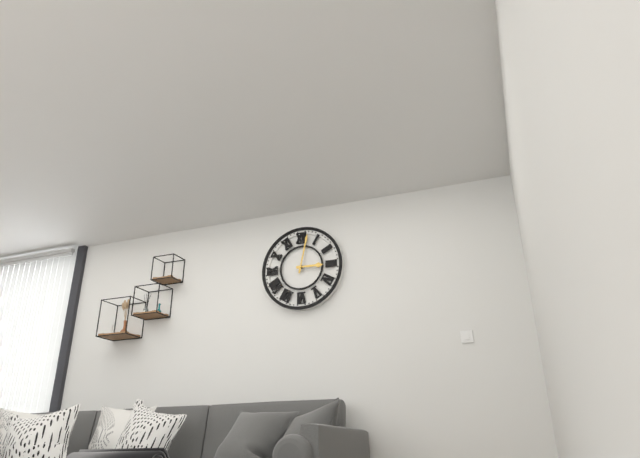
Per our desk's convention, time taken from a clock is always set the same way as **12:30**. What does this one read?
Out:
**3:02**
